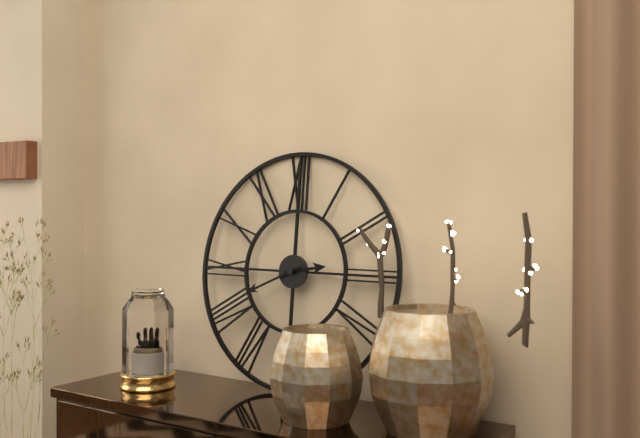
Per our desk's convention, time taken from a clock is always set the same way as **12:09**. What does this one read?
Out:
**2:41**
